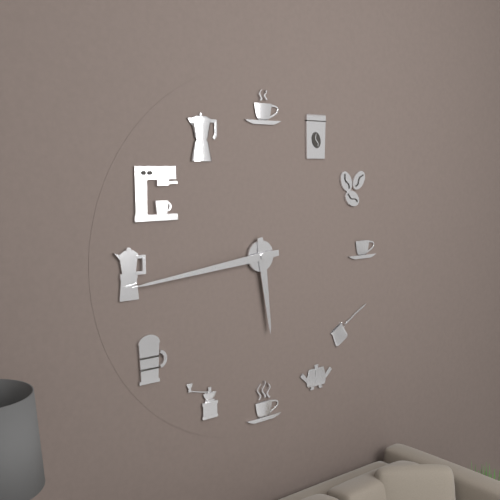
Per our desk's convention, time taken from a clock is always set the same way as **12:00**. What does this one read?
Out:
**5:44**
